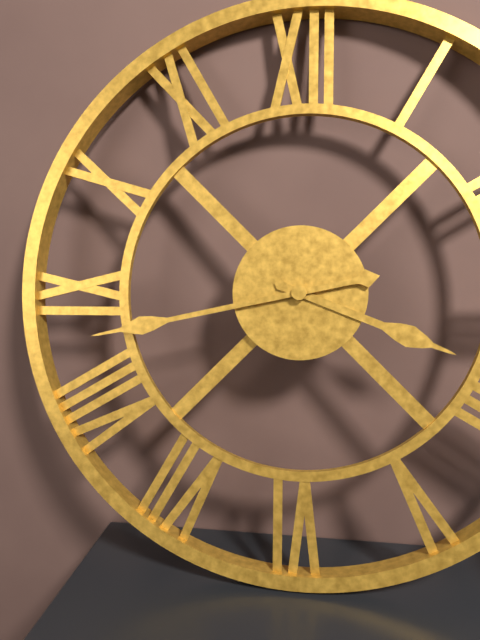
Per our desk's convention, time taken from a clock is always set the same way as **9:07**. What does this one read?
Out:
**3:43**
